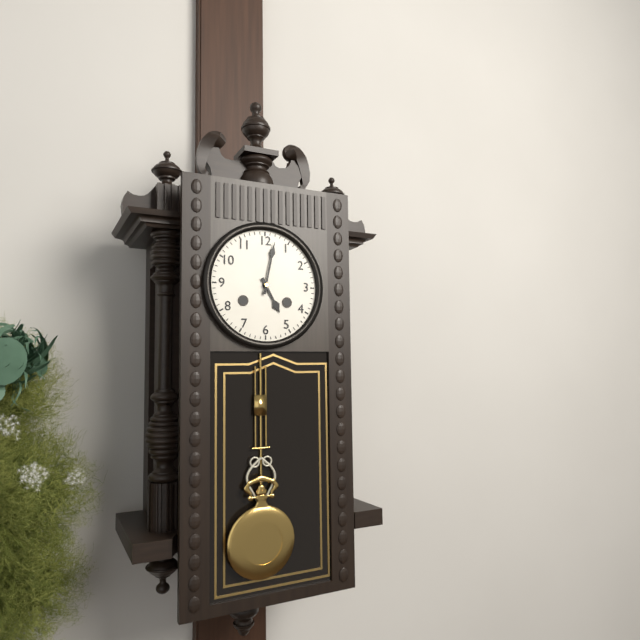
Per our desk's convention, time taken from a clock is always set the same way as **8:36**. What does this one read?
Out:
**5:02**
